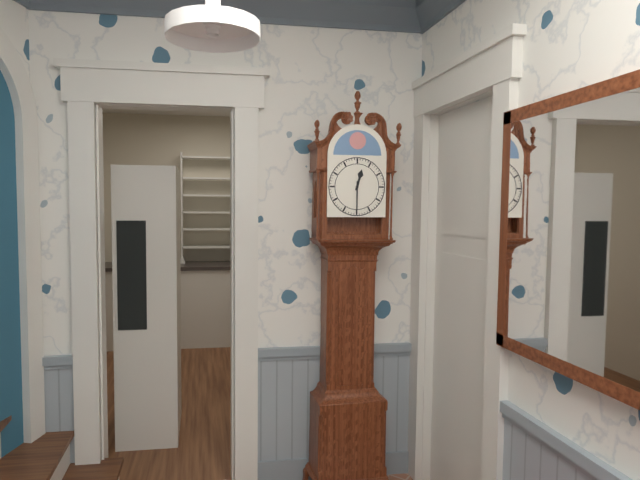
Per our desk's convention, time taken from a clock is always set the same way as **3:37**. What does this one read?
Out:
**12:30**
